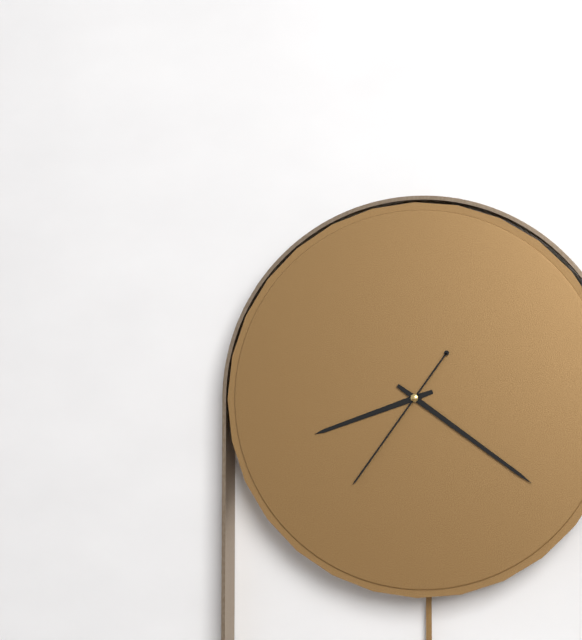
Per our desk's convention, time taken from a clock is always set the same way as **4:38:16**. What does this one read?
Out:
**8:21:36**
